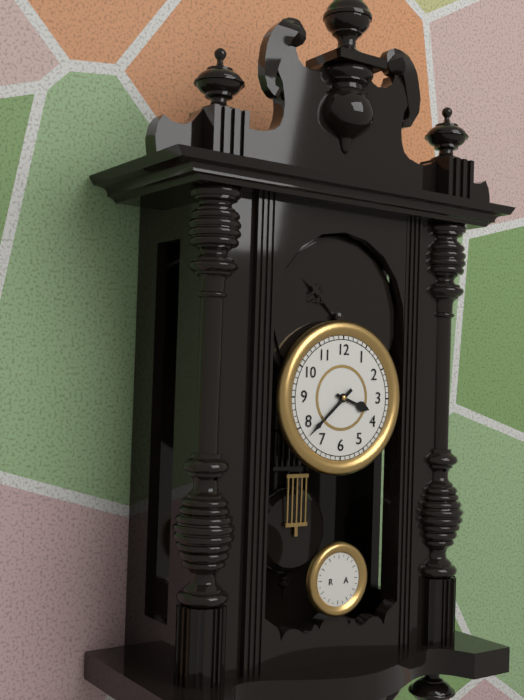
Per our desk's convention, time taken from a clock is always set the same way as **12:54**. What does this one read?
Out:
**3:38**
